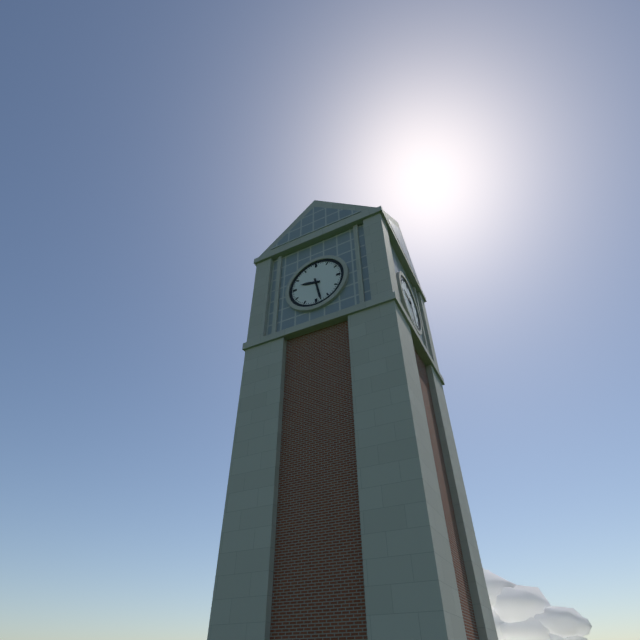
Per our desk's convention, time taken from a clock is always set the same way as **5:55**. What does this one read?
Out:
**9:28**
